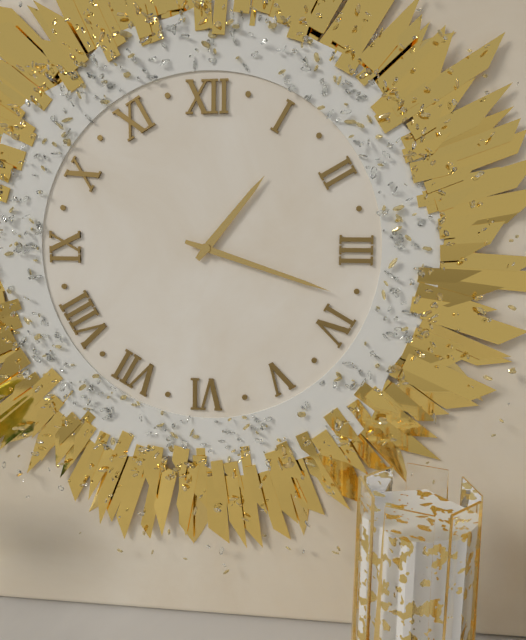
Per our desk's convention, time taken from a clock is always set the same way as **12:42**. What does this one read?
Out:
**1:18**
